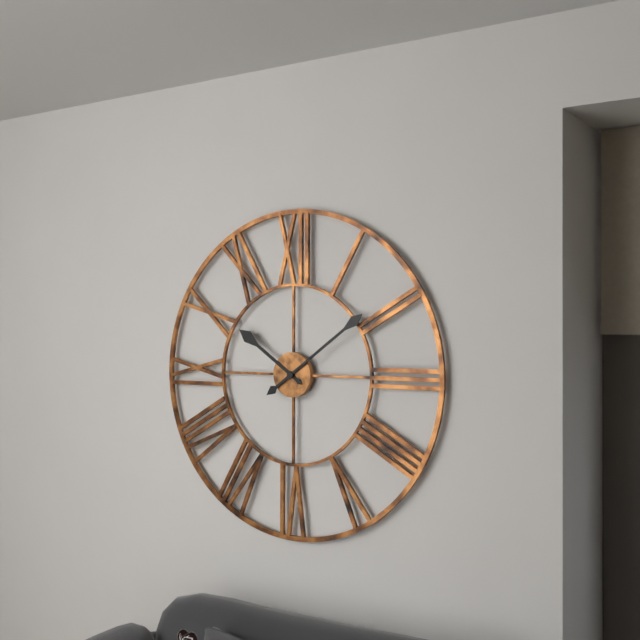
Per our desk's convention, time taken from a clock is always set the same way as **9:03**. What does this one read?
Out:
**10:09**
